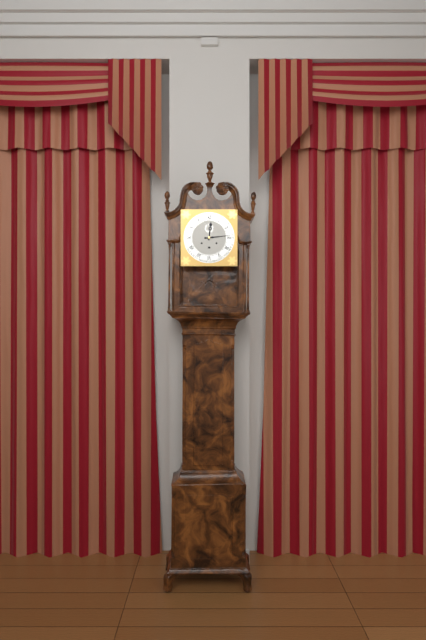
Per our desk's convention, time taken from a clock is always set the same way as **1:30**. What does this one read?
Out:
**12:14**
